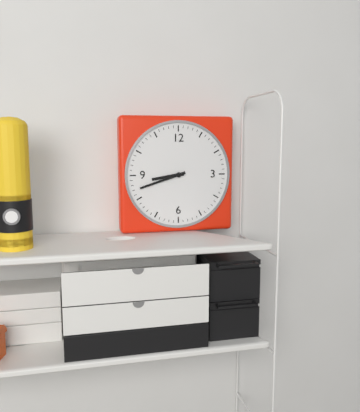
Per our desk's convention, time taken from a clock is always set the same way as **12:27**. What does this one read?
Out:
**8:42**
